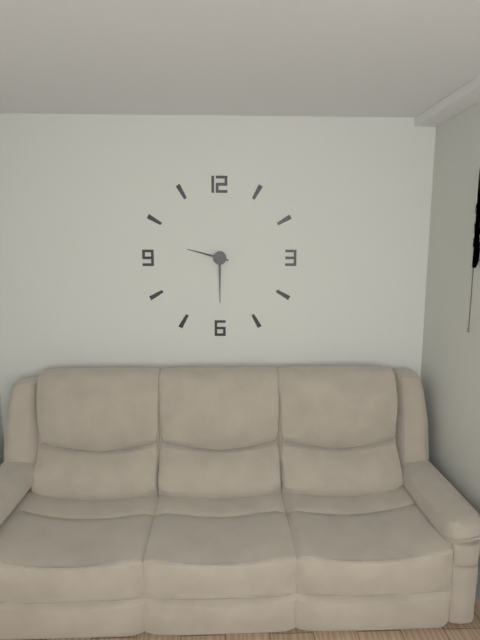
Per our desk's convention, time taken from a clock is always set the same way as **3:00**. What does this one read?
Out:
**9:30**
